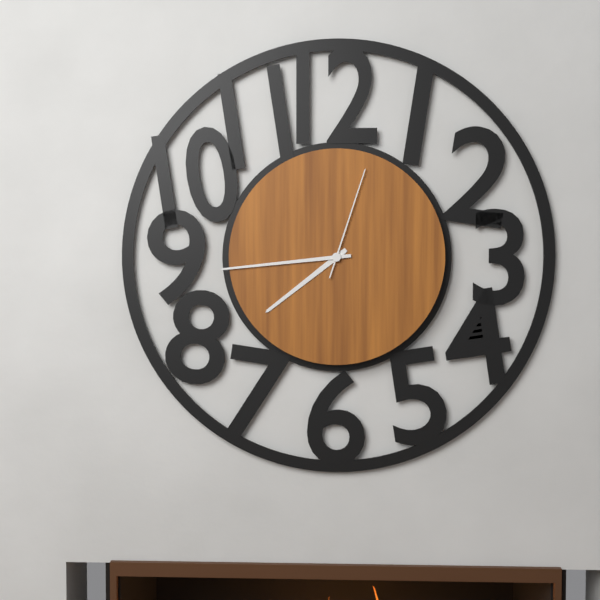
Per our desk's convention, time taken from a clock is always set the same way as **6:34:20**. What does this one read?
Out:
**7:44:03**
